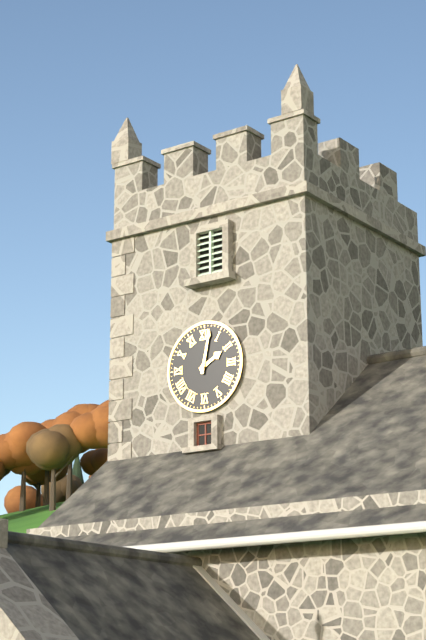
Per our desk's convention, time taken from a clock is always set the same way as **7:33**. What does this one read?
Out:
**2:02**
